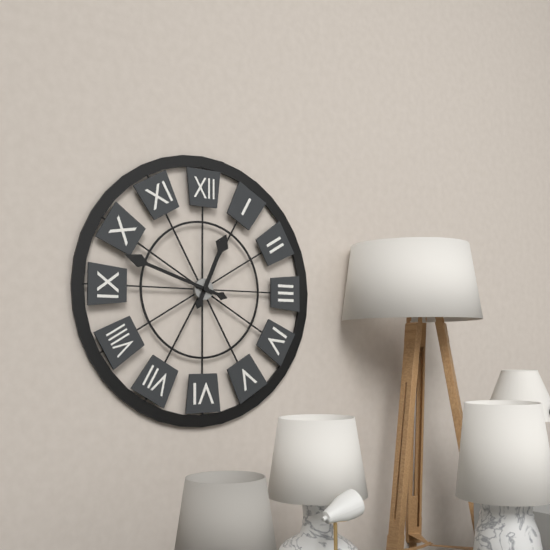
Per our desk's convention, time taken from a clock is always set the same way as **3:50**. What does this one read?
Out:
**12:48**
